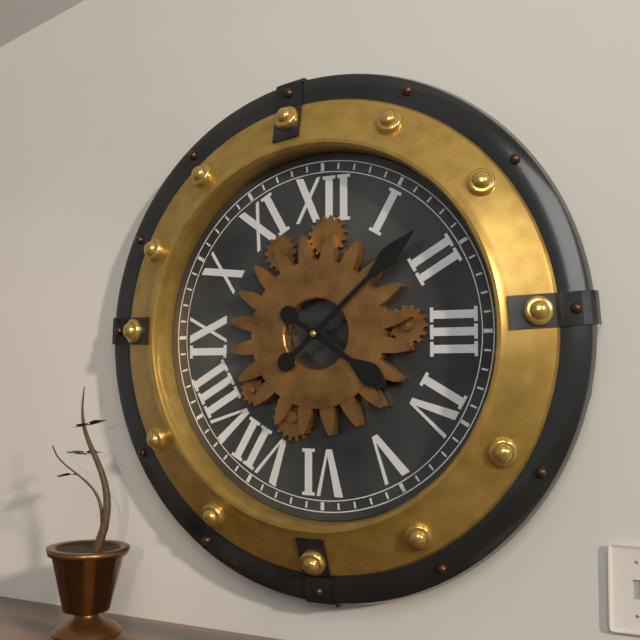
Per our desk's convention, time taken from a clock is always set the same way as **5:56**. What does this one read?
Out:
**4:08**
